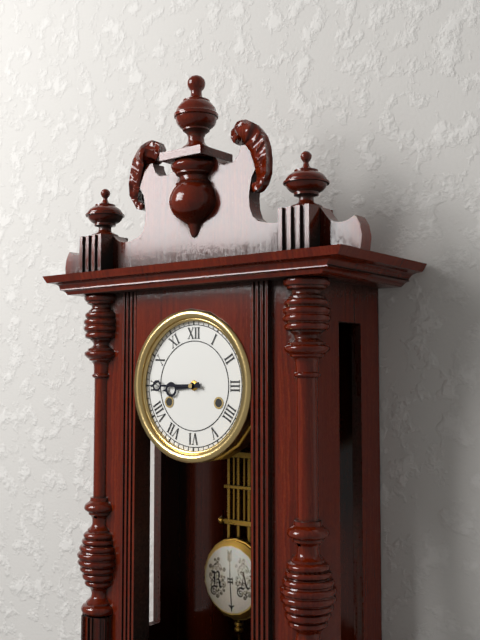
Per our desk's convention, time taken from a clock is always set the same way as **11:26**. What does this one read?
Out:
**8:45**
